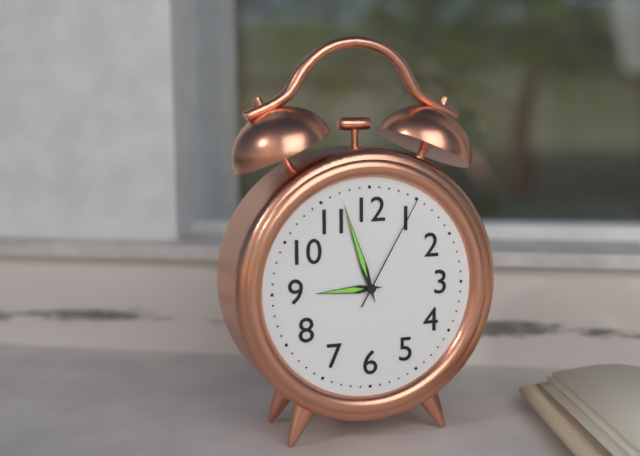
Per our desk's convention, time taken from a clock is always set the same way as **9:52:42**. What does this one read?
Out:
**8:57:05**
